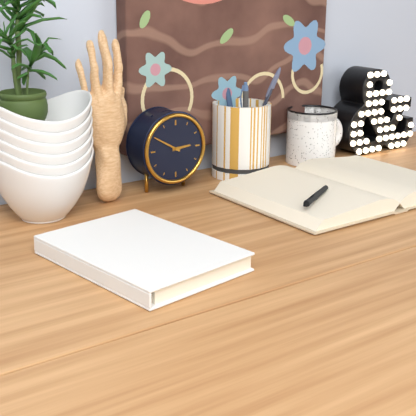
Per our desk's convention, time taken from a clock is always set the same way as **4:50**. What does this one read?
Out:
**2:50**
